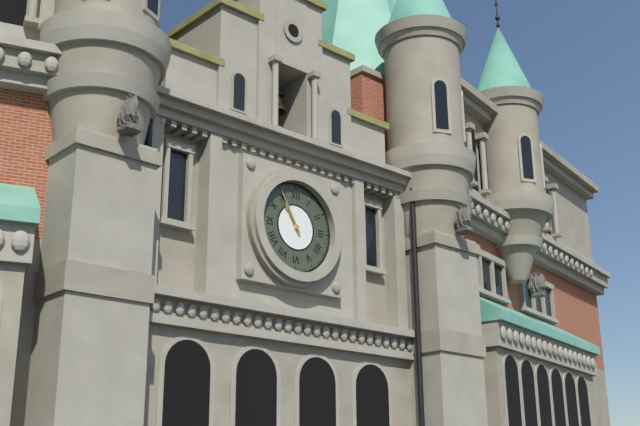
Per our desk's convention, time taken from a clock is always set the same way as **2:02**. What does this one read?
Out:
**10:55**
